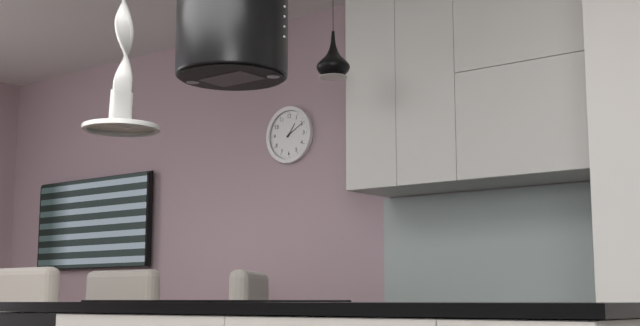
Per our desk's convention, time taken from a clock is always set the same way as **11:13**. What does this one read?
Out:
**1:10**
